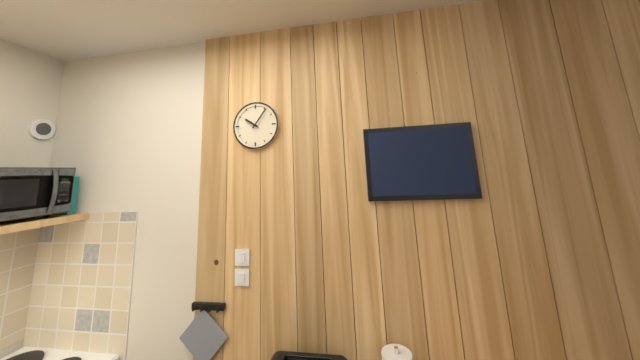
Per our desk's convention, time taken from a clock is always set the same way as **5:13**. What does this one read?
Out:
**10:06**
